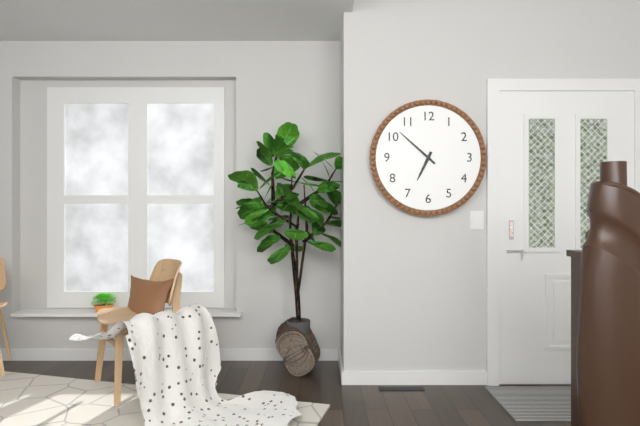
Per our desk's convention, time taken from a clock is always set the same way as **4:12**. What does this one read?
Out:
**6:52**
